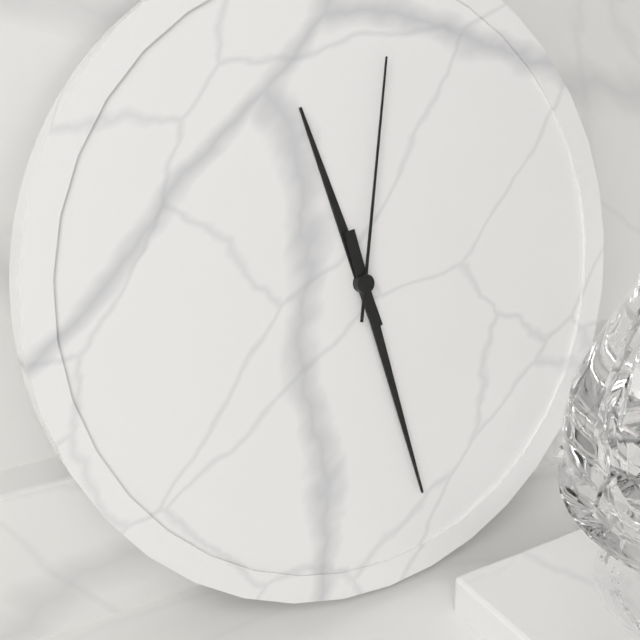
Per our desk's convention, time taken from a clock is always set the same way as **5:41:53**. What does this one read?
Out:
**11:28:02**
